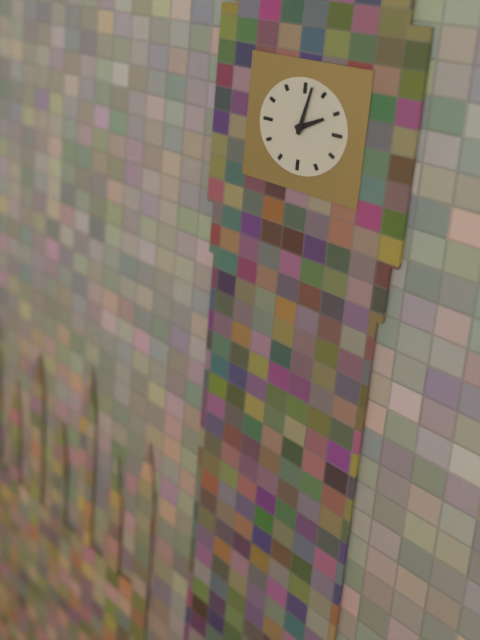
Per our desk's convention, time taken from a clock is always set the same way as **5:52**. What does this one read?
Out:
**2:02**
